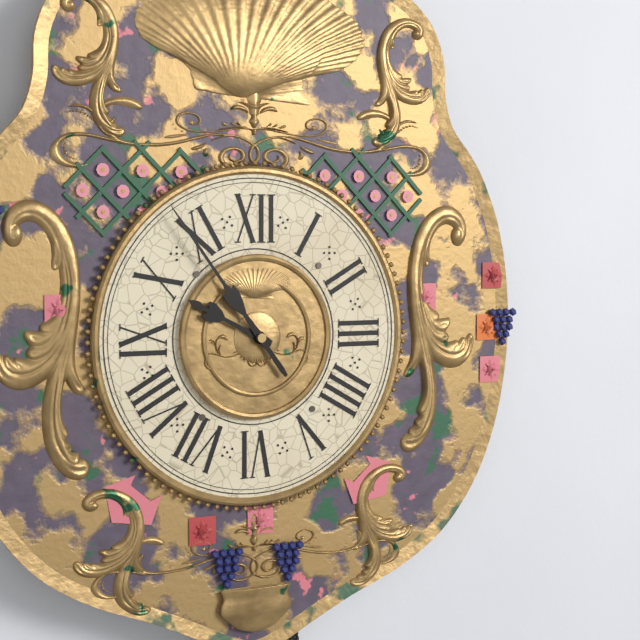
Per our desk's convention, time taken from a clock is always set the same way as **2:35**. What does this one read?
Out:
**9:54**
